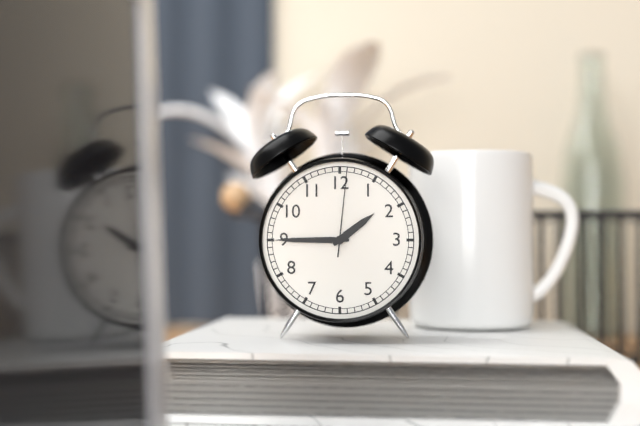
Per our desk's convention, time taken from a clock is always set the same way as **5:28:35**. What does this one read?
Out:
**1:45:01**
